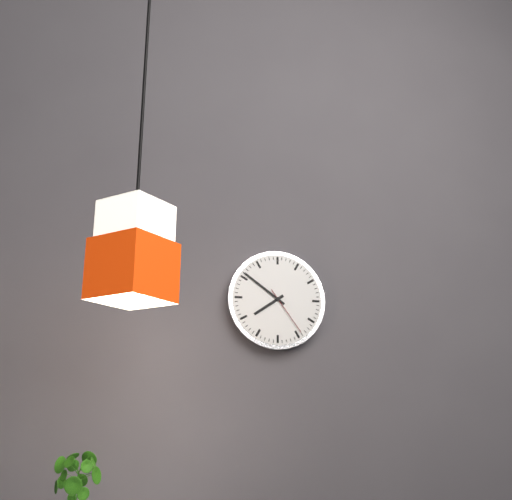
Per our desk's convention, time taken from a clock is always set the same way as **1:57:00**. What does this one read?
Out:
**7:51:24**
